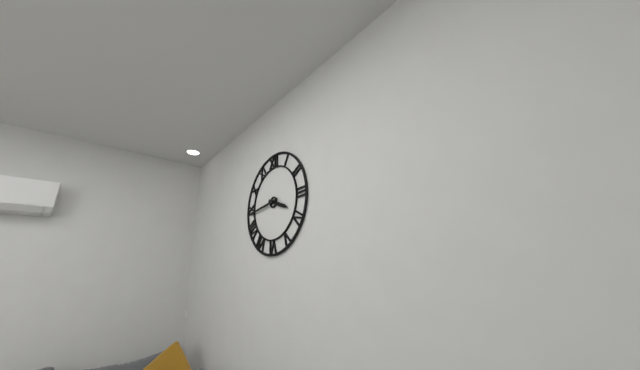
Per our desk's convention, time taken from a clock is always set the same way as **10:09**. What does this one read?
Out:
**3:44**
